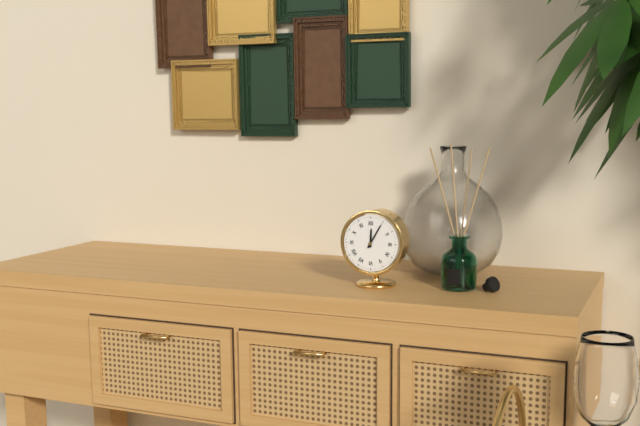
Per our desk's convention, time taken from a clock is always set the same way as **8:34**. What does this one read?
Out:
**12:05**
